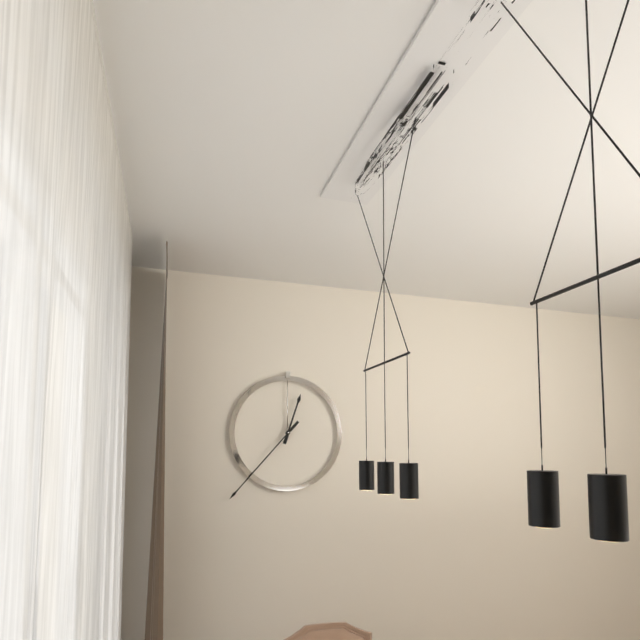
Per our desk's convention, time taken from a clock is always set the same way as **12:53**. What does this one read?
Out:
**12:37**
